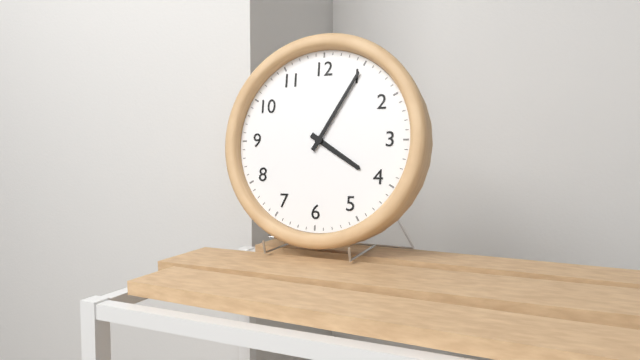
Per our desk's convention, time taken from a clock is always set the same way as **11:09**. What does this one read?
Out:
**4:05**
